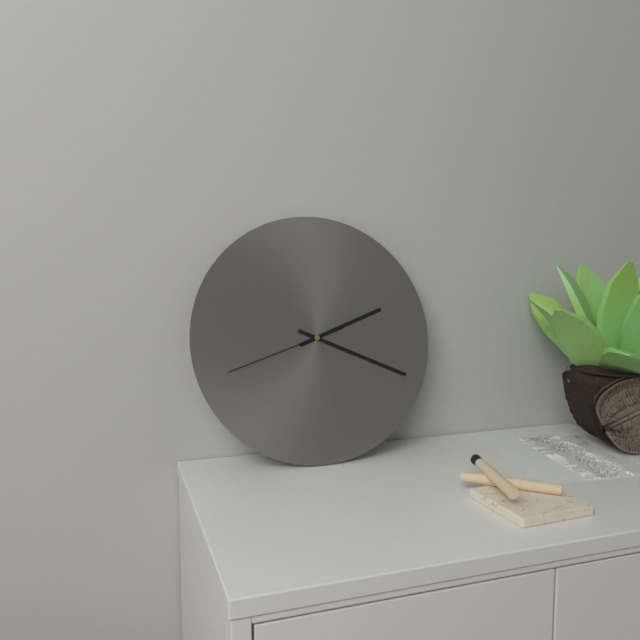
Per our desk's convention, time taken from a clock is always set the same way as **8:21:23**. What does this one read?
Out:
**2:19:42**
